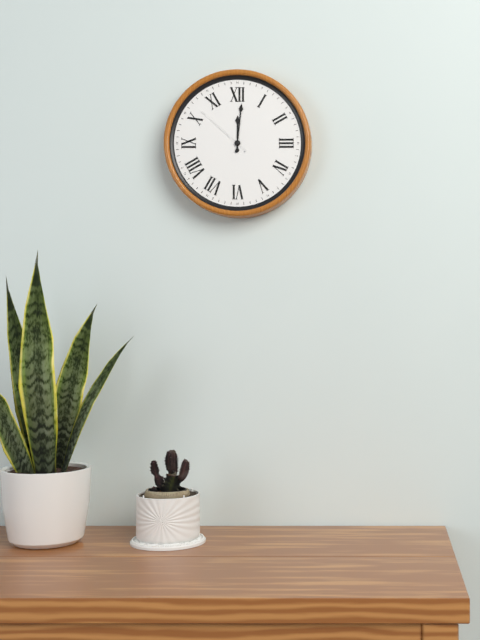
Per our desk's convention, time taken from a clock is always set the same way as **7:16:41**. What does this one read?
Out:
**12:01:52**
